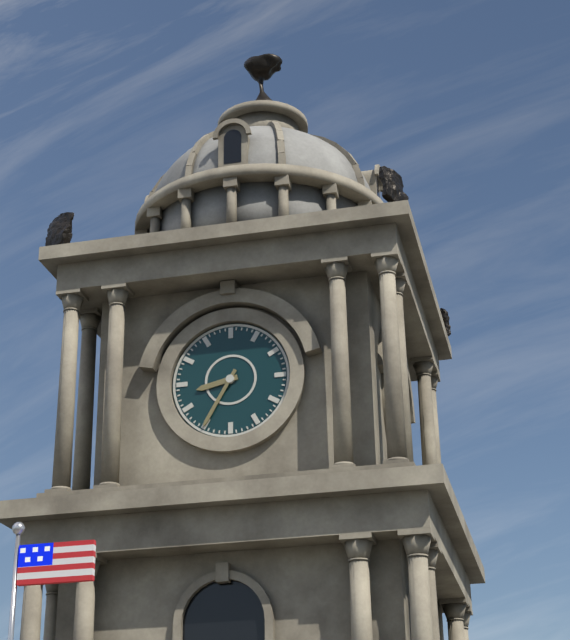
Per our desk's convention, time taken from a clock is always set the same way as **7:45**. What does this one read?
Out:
**8:35**
